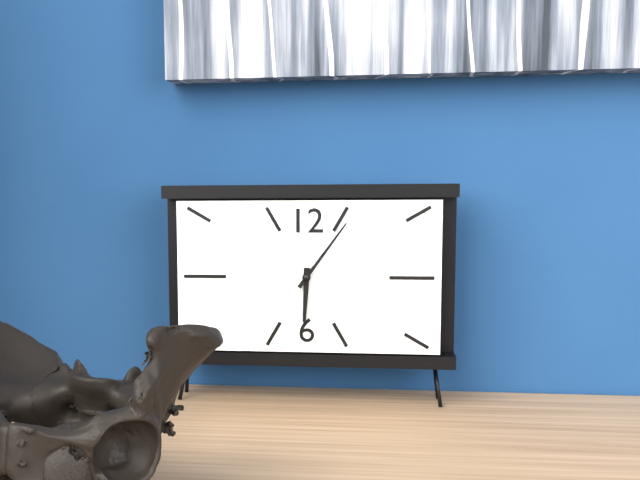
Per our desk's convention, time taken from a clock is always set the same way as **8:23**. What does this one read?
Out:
**6:06**
